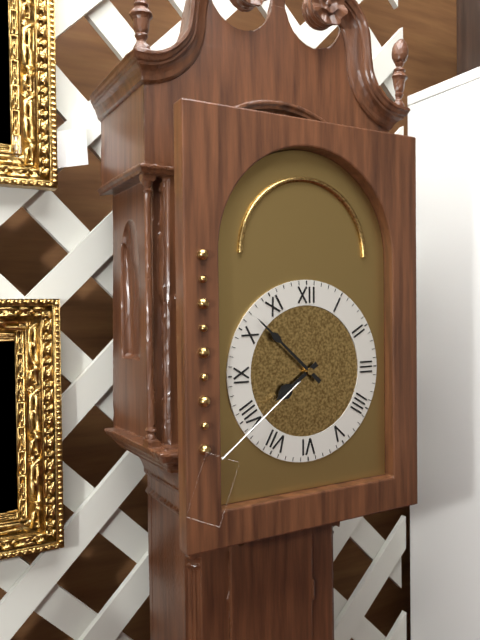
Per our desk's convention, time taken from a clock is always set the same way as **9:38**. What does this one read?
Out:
**7:52**
